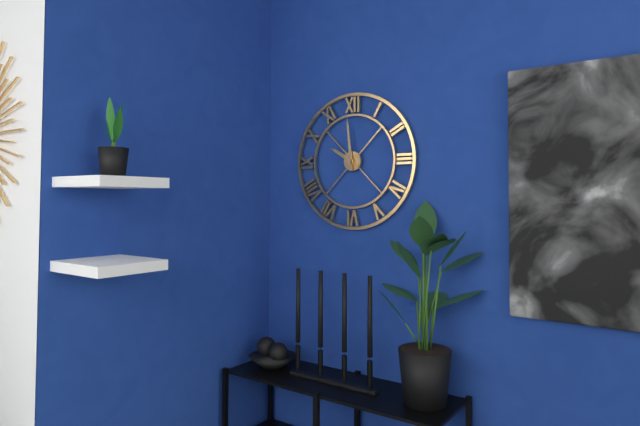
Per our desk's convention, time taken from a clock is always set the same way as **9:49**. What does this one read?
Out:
**9:59**
